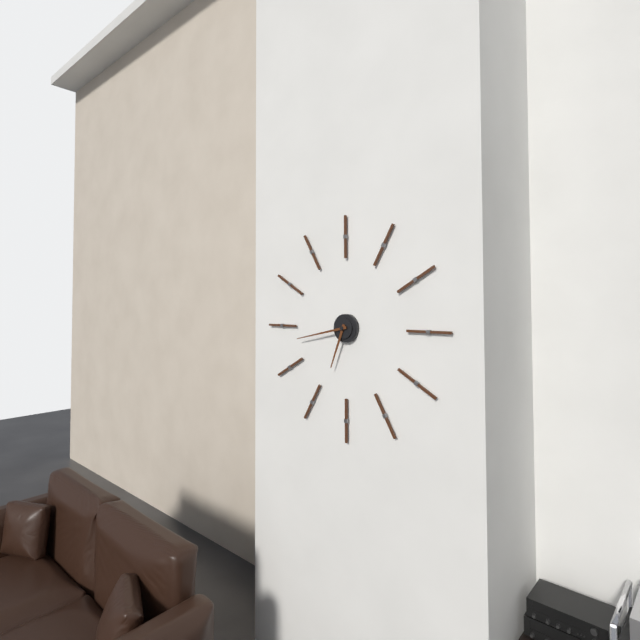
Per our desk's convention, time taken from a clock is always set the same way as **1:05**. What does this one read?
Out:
**6:43**
